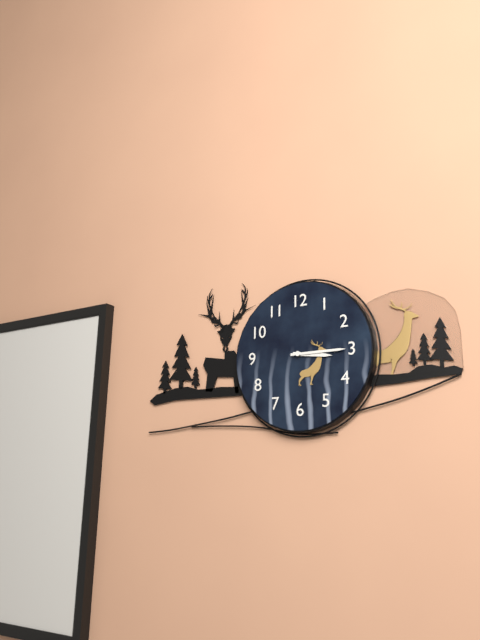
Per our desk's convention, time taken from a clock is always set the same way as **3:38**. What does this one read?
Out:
**3:15**
